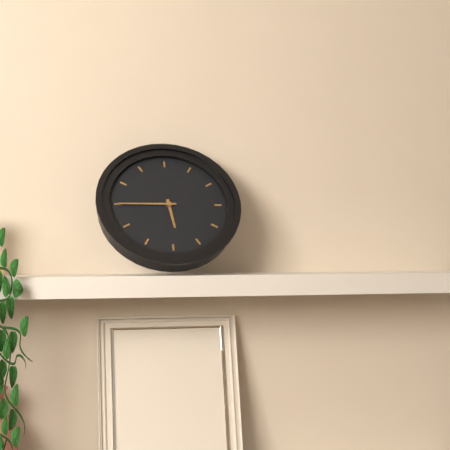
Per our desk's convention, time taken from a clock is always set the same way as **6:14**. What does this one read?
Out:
**5:45**
